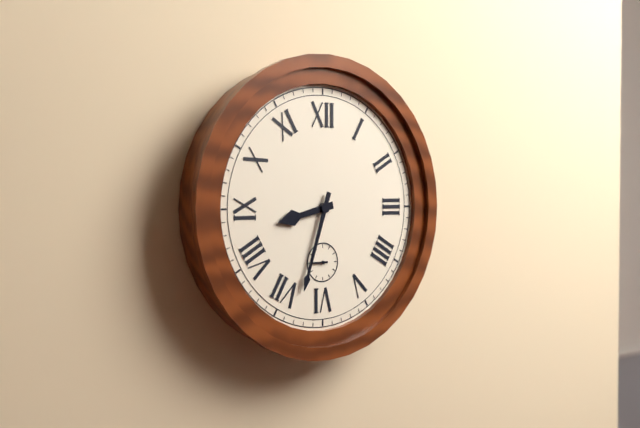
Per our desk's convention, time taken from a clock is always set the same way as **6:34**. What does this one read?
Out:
**8:33**
